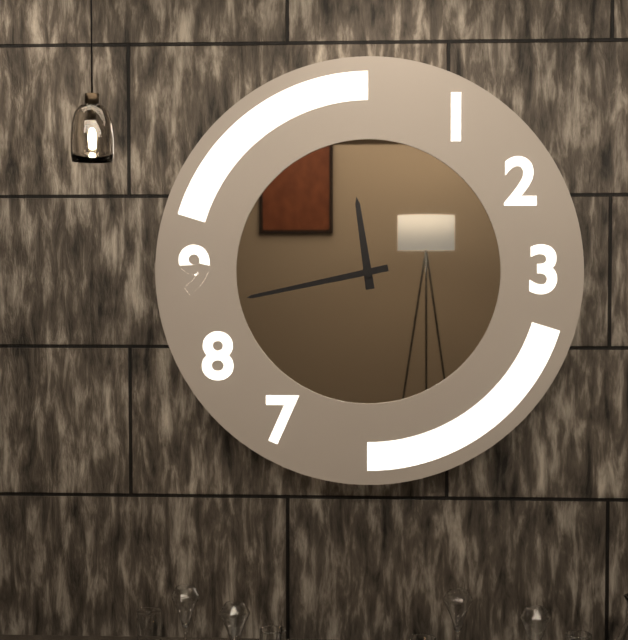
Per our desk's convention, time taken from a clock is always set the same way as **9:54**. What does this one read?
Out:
**11:43**
